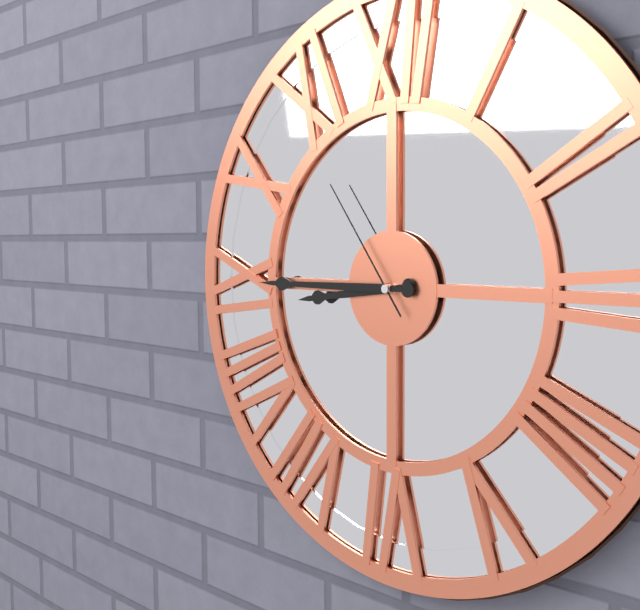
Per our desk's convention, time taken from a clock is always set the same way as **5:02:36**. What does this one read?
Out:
**8:45:54**
